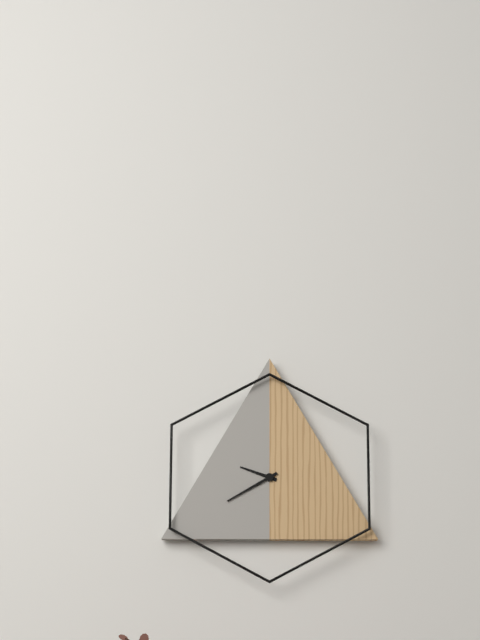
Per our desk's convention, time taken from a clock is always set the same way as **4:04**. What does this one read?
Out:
**9:40**
